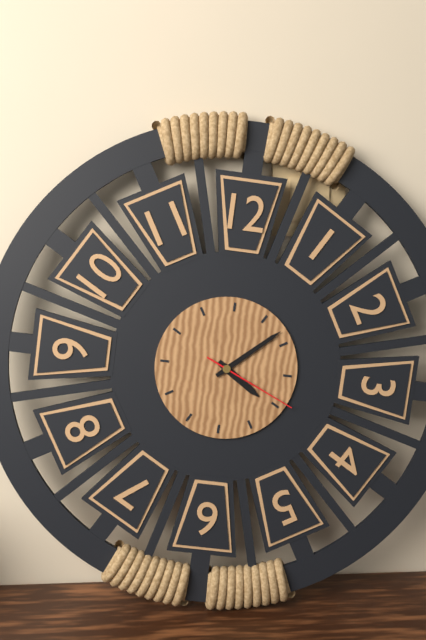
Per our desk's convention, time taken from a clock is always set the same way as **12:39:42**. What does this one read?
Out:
**4:08:19**
